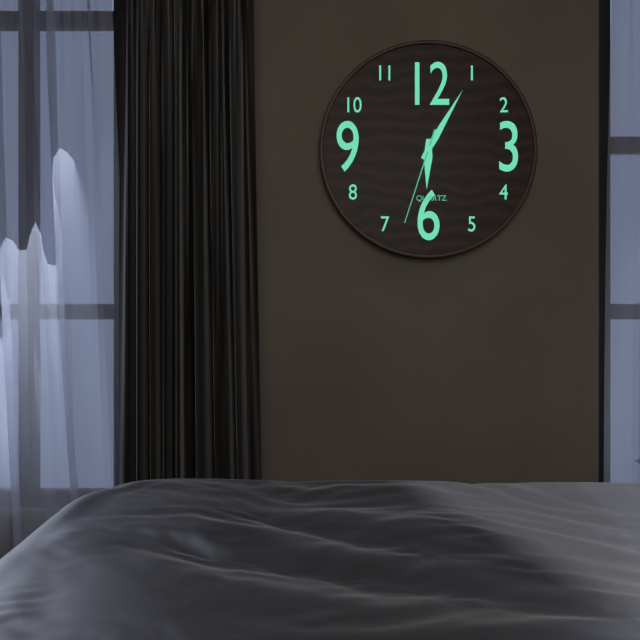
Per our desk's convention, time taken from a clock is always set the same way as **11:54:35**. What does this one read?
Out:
**6:05:33**
